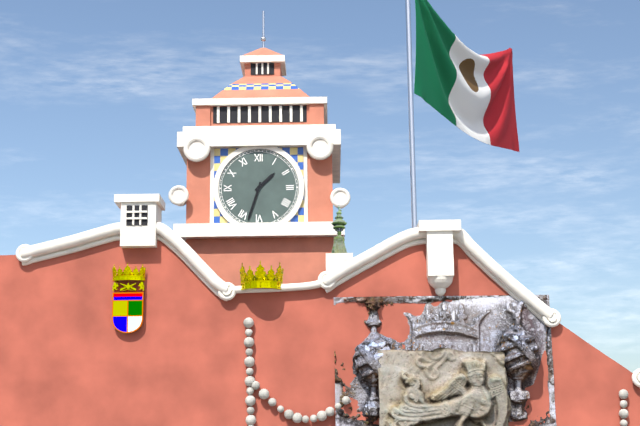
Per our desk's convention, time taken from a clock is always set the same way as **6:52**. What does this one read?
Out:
**1:33**
